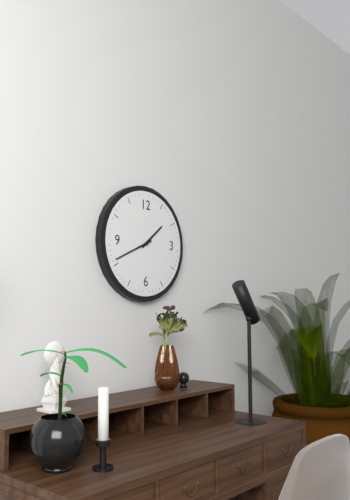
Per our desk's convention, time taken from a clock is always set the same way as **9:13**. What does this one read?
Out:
**1:41**
